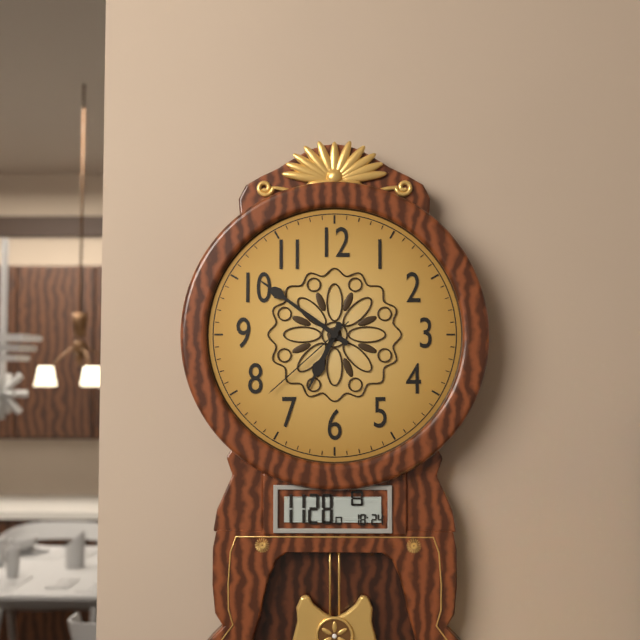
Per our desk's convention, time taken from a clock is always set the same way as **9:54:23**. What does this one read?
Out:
**6:51:38**
